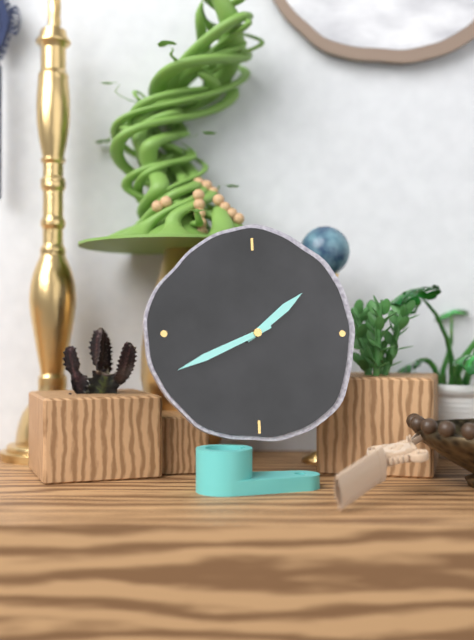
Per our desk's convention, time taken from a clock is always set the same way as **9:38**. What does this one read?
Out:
**1:41**
